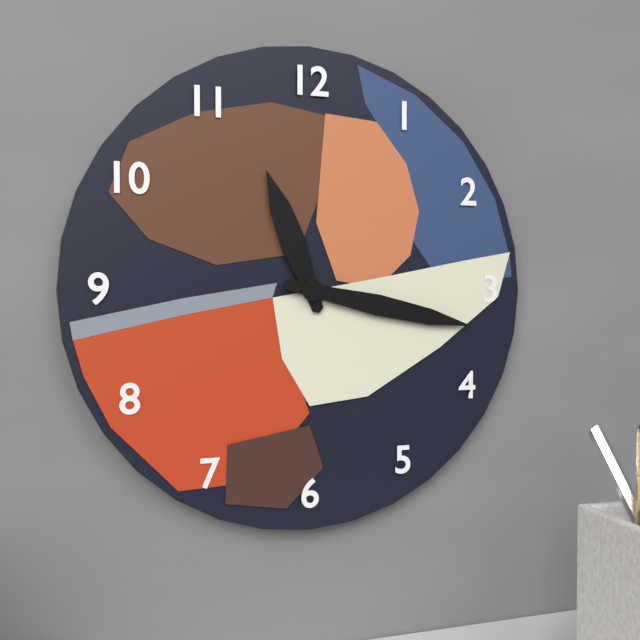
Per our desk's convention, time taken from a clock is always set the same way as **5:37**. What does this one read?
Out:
**11:17**
